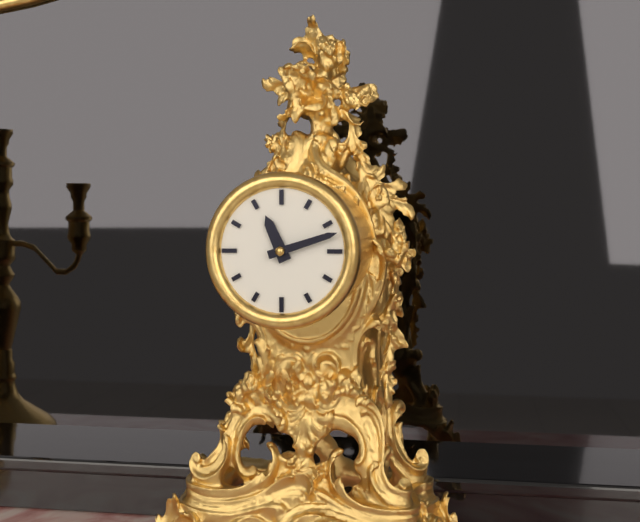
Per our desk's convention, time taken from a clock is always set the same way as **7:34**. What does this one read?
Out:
**11:12**
